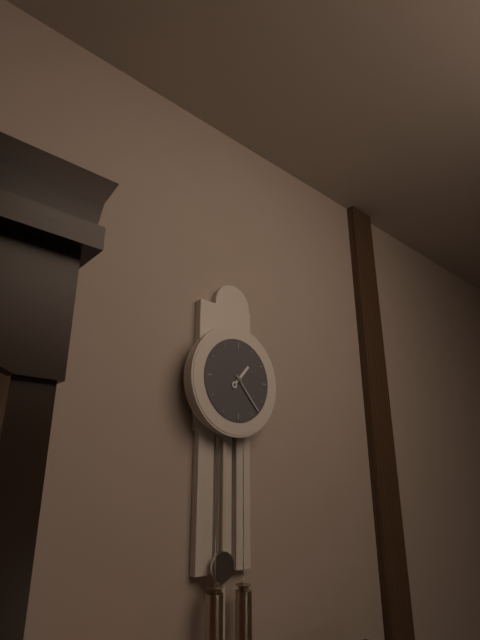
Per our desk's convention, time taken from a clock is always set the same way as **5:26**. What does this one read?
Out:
**1:23**
